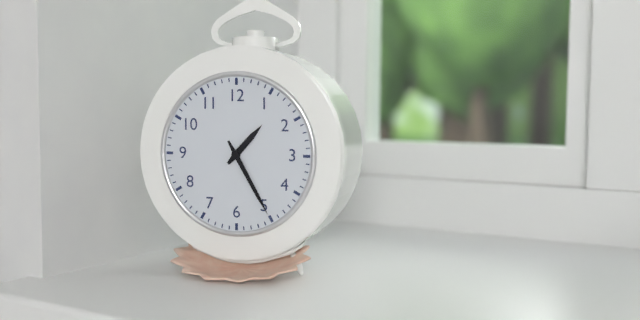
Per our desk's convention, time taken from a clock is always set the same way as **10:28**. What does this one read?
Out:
**1:25**
